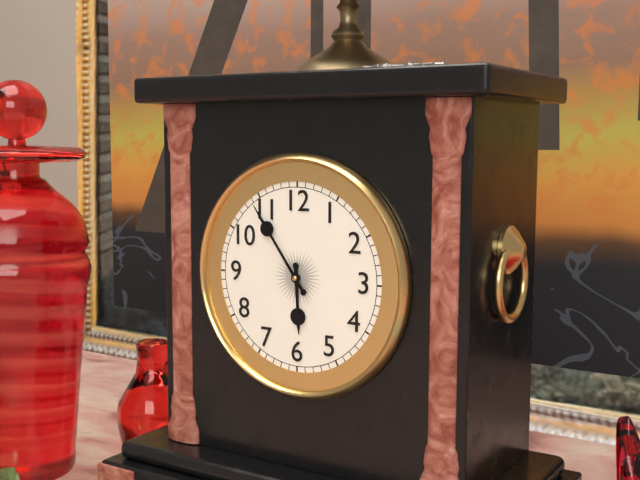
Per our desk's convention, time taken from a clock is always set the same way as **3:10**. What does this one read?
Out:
**5:54**
